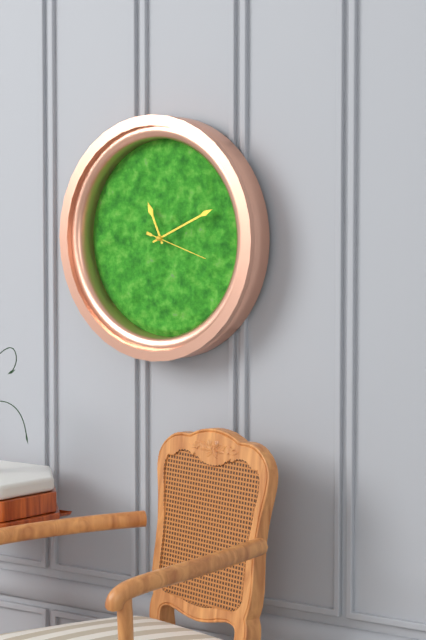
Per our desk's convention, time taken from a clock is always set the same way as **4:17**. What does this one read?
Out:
**11:11**
